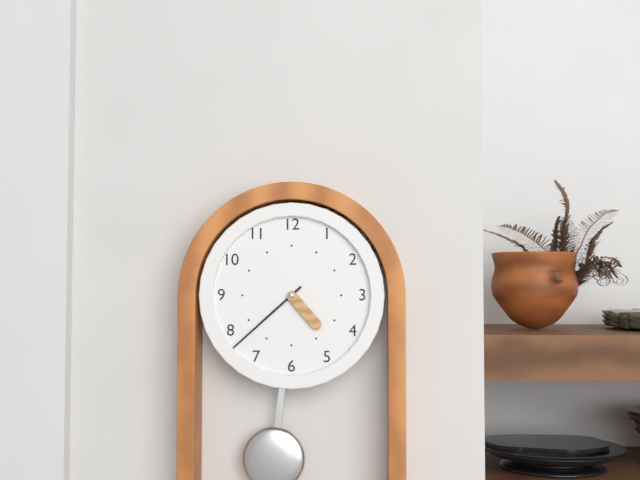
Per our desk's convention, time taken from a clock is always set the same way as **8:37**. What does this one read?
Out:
**4:38**
